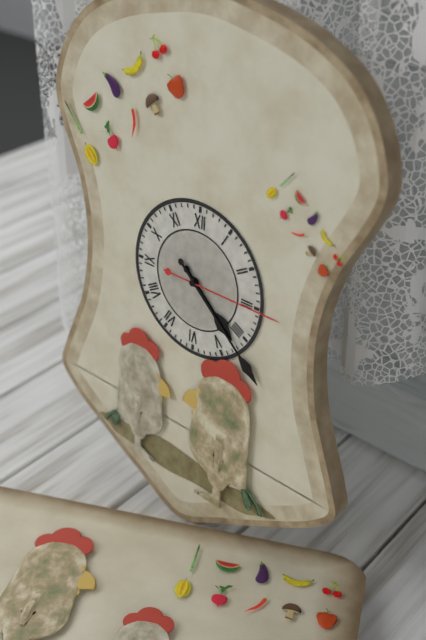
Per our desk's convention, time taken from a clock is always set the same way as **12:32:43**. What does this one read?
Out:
**4:22:15**
